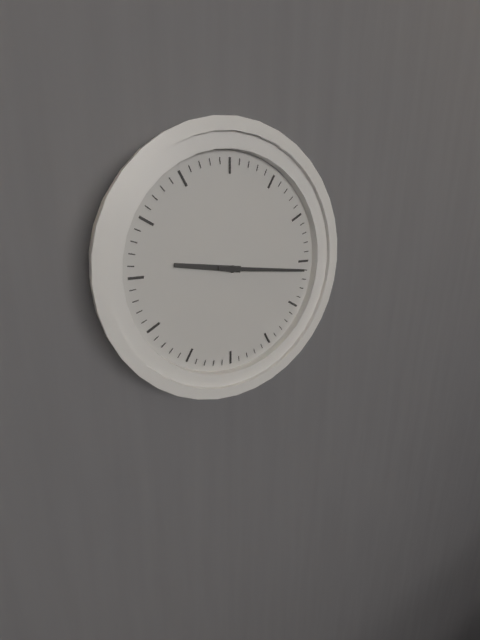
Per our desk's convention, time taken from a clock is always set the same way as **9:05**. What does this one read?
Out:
**9:16**
